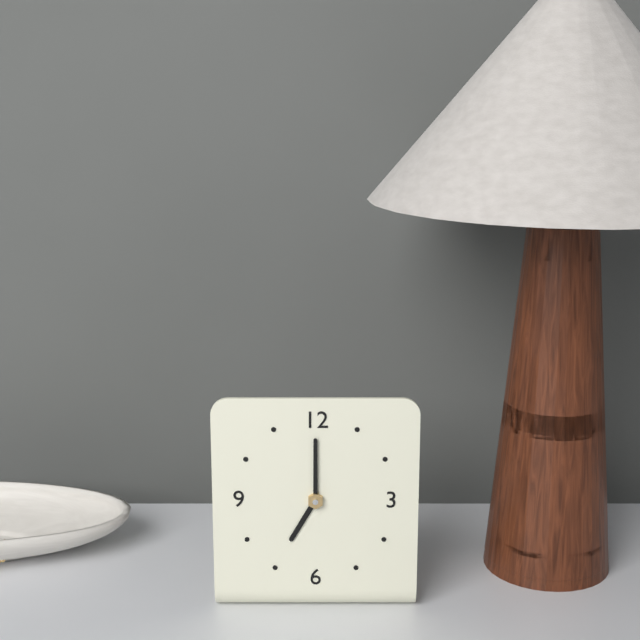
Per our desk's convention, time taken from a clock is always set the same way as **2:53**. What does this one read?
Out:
**7:00**
